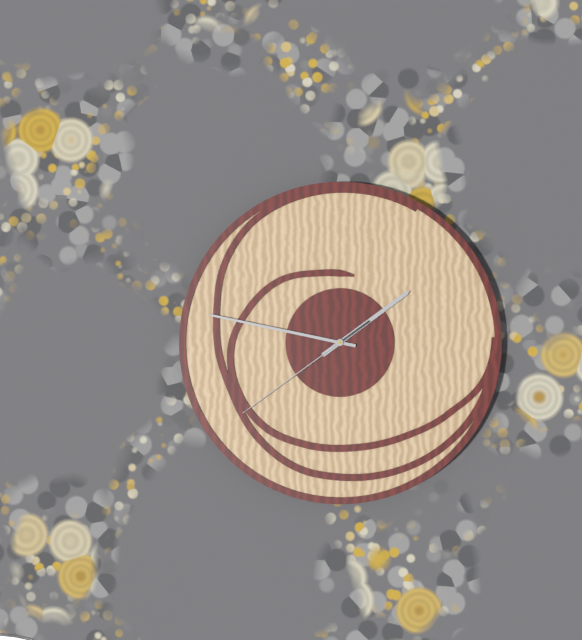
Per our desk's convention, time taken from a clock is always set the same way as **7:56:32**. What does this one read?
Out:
**1:47:39**
